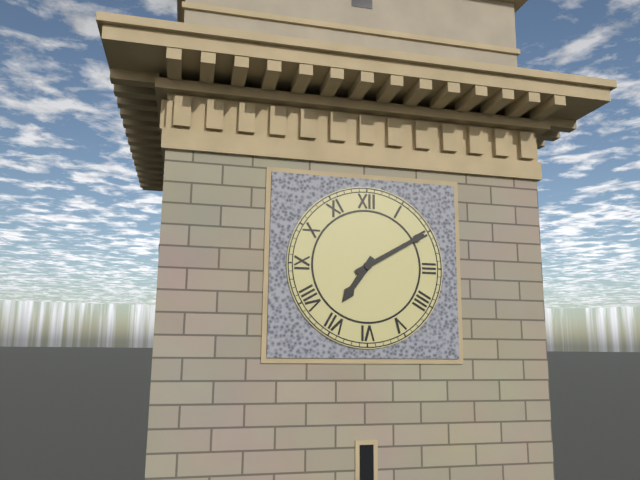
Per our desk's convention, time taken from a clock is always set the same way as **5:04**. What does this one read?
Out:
**7:10**
